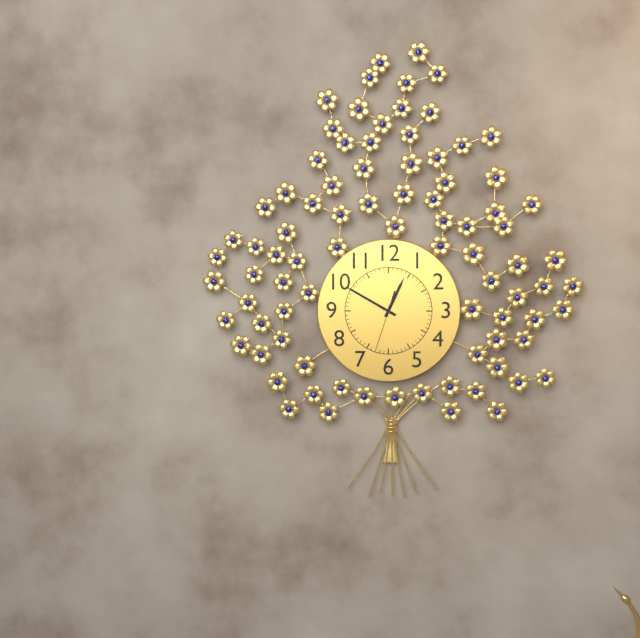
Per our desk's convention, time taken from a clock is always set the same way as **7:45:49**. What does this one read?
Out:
**12:50:33**
